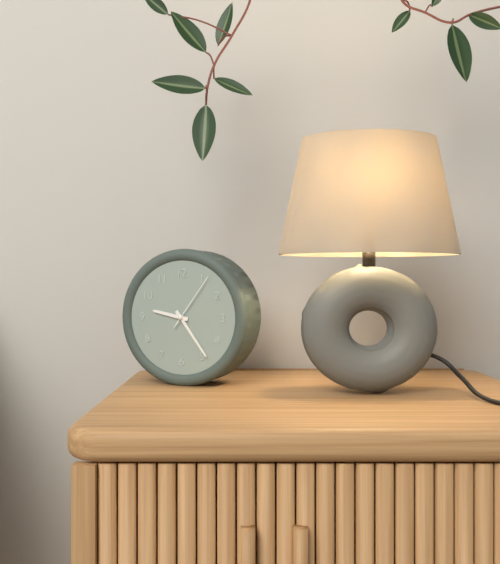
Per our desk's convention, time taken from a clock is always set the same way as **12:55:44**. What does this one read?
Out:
**9:24:06**
